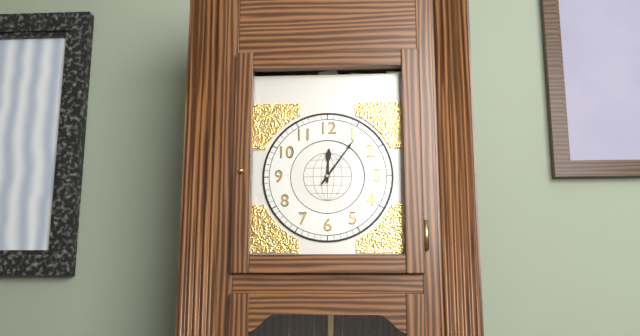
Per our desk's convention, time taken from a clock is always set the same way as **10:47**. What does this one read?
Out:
**12:06**
